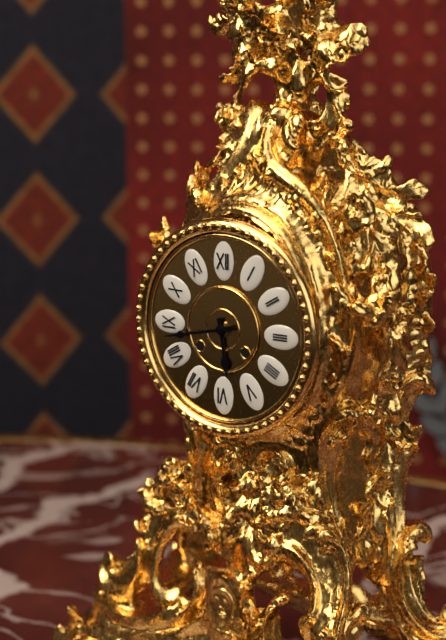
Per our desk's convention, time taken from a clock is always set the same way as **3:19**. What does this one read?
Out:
**5:43**
